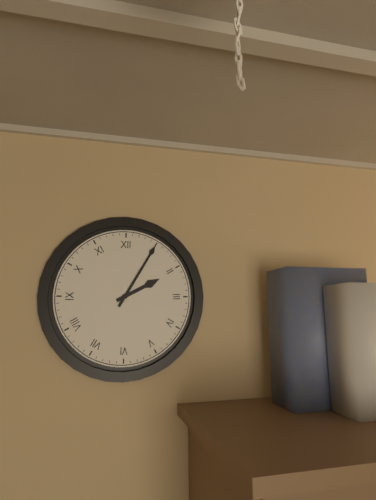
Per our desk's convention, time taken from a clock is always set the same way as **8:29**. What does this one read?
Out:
**2:05**
